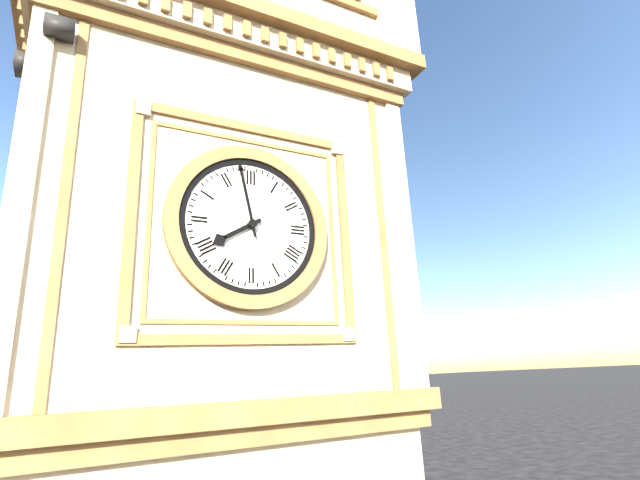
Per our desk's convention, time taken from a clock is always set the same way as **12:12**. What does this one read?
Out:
**7:58**
